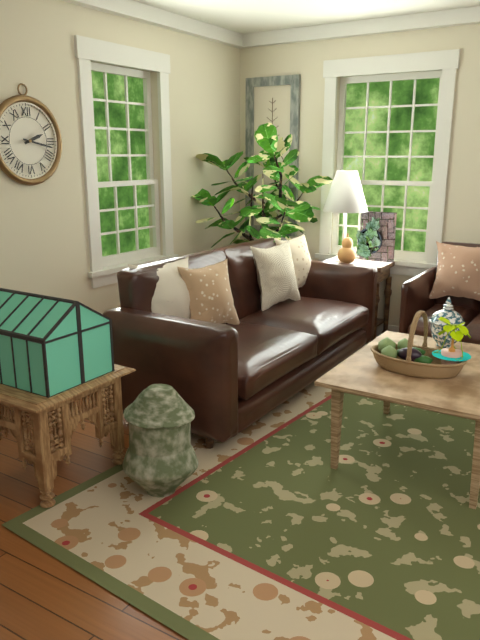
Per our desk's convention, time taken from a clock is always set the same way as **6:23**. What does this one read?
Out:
**2:17**
